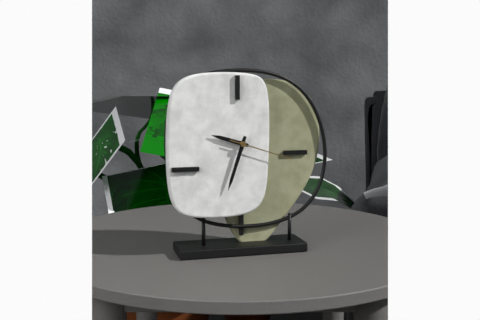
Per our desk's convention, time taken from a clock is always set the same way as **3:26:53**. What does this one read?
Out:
**9:33:18**
